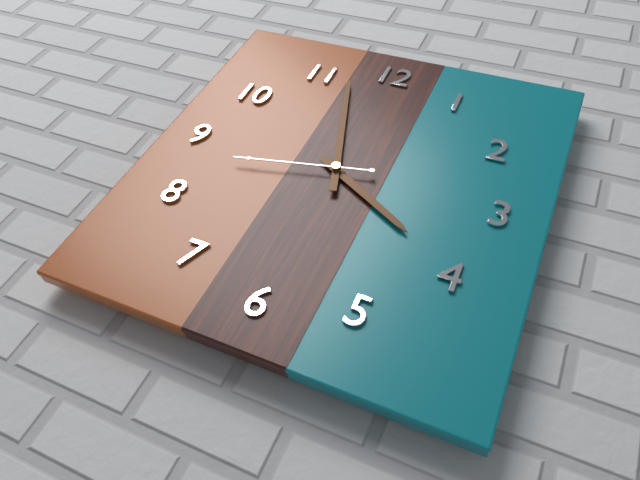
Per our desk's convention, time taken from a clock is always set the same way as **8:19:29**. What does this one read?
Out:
**3:57:43**
